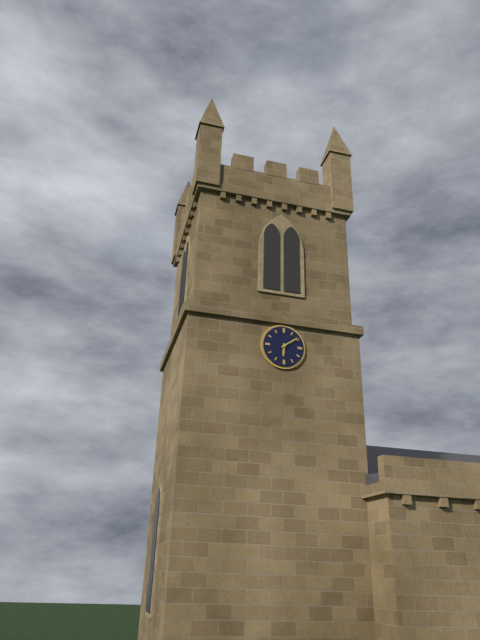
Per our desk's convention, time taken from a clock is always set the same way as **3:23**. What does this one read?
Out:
**6:09**
